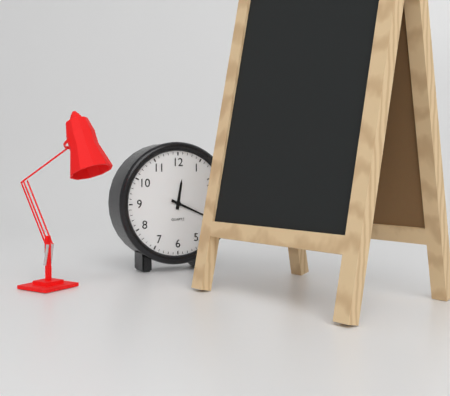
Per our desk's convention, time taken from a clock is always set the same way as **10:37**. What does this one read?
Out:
**12:19**
